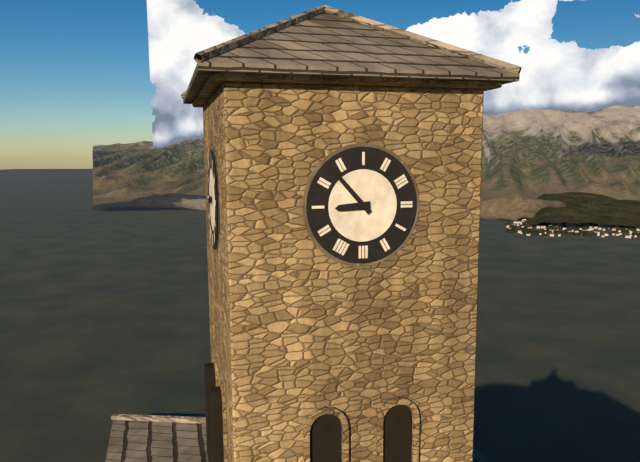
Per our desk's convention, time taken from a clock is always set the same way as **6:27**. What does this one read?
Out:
**8:53**
